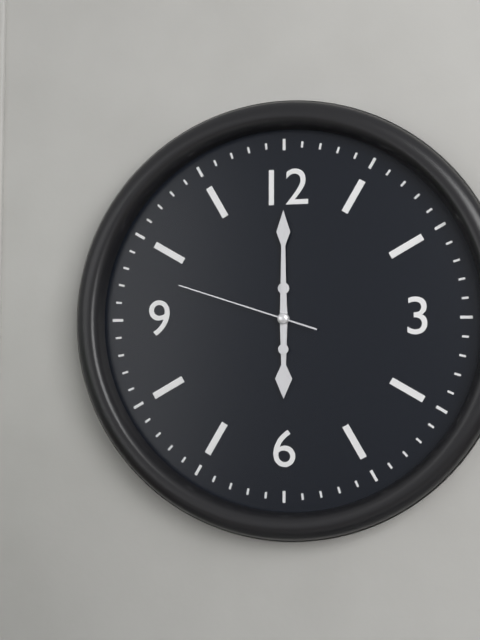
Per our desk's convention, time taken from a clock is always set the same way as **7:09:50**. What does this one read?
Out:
**6:00:48**
